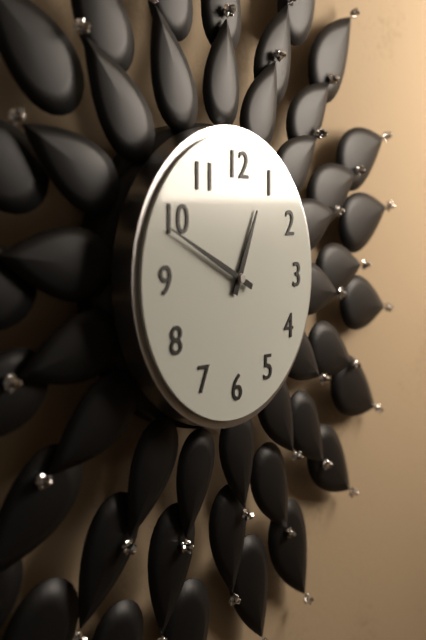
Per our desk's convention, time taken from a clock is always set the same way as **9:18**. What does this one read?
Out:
**12:49**
